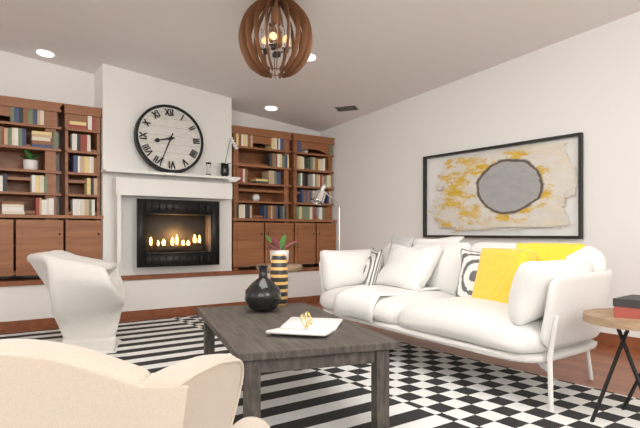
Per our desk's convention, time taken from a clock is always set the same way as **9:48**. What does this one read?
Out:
**8:34**
